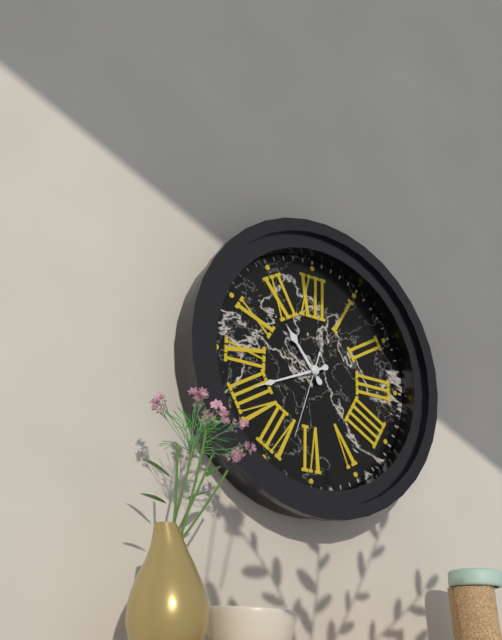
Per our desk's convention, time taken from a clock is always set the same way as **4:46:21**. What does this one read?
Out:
**10:41:33**
